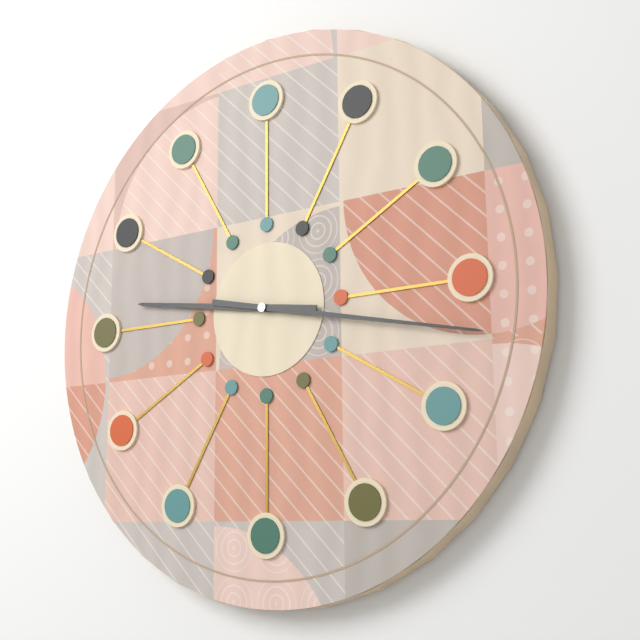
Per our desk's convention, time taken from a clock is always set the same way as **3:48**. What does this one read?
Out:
**9:17**
